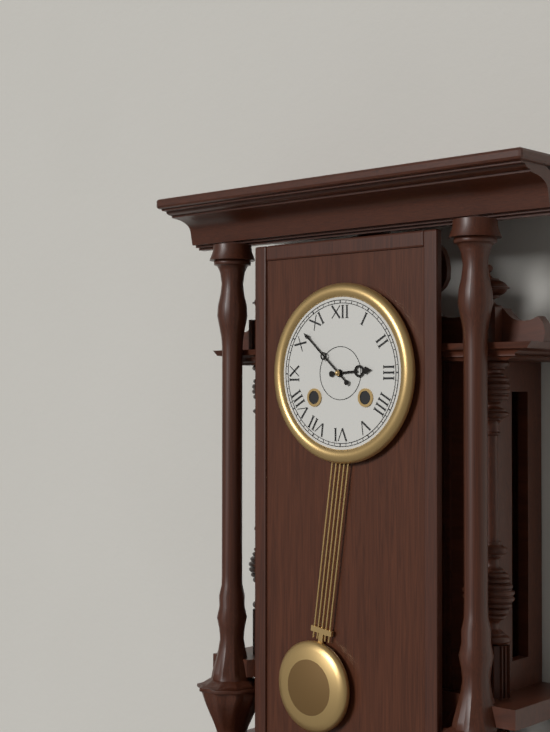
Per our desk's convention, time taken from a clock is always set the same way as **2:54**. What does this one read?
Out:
**2:52**
